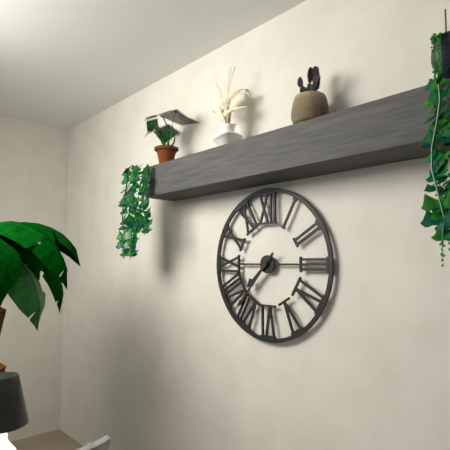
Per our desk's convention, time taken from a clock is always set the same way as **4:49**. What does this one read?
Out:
**7:37**
